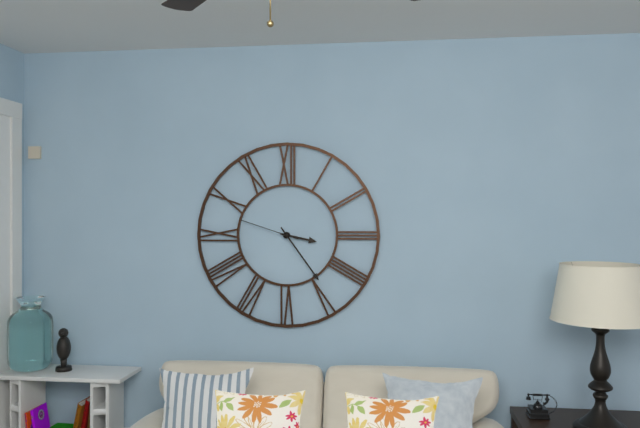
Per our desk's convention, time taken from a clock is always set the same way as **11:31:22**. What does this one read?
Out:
**3:24:48**
